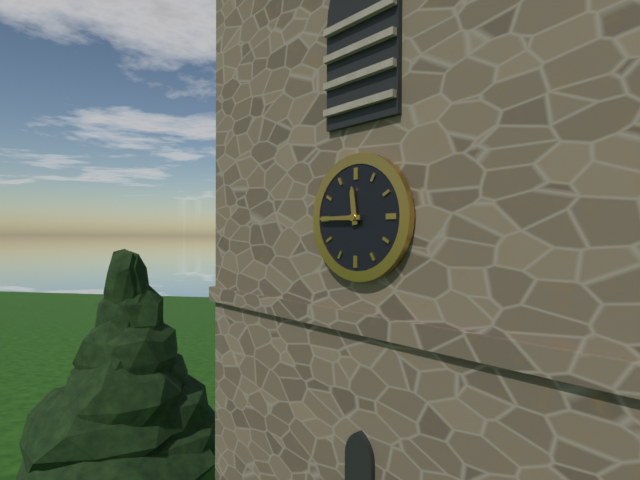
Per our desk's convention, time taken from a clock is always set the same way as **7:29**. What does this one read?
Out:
**11:45**
